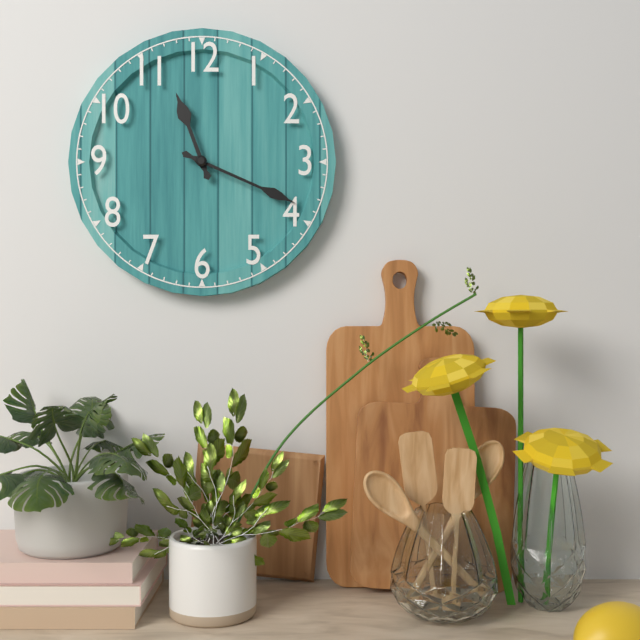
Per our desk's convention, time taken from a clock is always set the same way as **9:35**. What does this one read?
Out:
**11:19**
